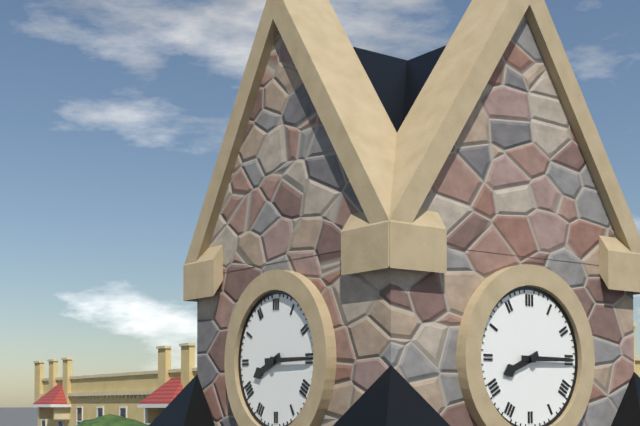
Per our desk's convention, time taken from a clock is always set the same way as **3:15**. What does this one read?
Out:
**8:15**
